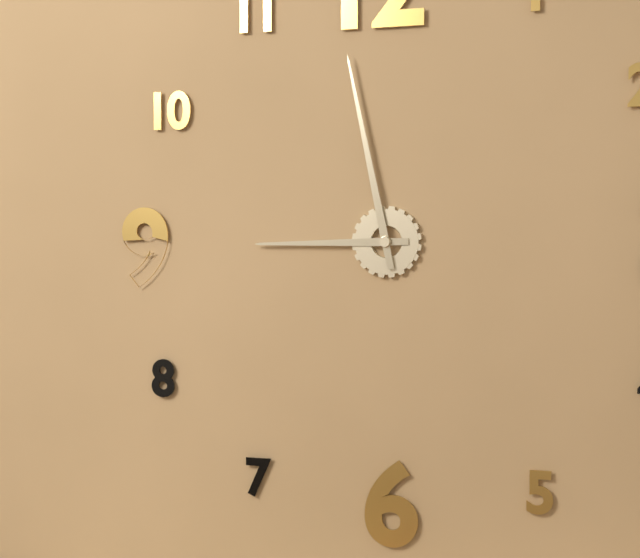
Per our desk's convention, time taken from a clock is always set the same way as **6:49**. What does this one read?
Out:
**8:58**
